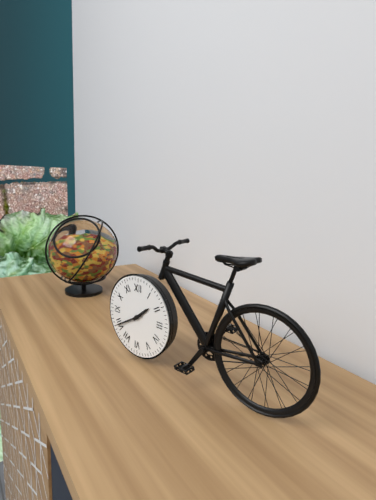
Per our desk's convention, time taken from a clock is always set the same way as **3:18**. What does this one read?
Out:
**1:40**
